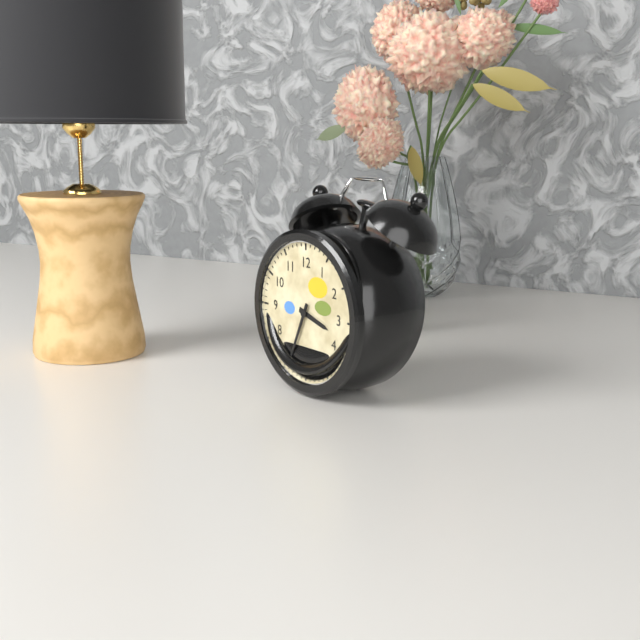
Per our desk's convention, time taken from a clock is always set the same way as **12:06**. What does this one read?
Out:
**3:34**
